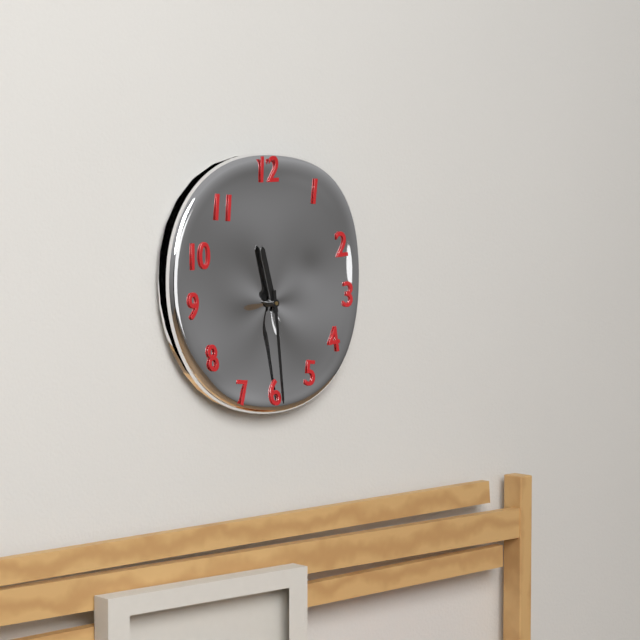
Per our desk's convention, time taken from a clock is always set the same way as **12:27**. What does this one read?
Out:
**11:29**
